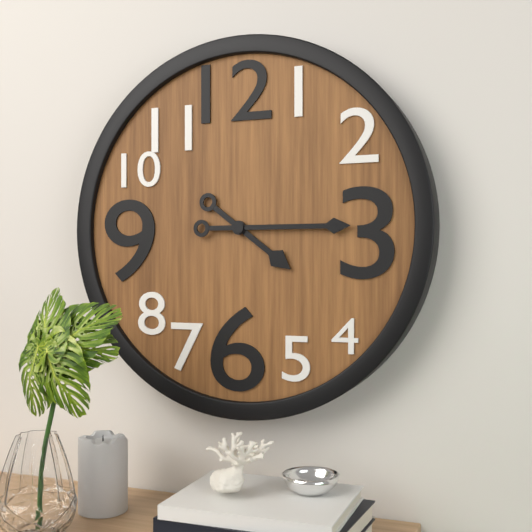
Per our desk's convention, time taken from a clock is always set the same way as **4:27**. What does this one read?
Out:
**4:15**
